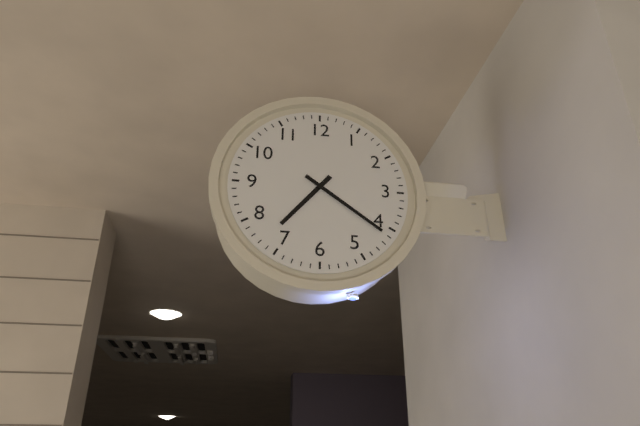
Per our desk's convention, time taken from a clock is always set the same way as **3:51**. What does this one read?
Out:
**7:21**
